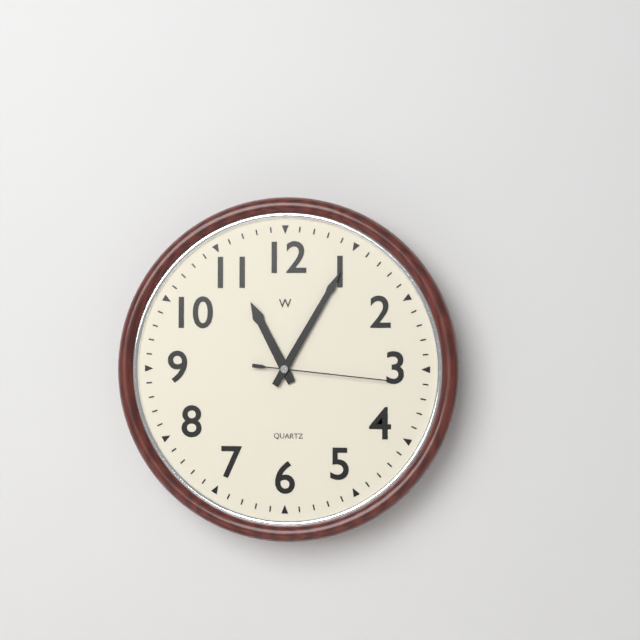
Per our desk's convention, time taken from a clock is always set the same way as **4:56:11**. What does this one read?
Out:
**11:05:16**
